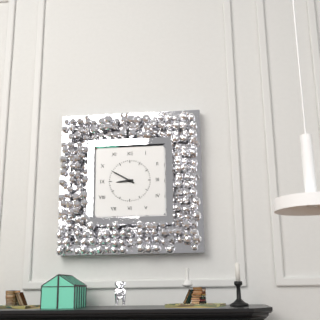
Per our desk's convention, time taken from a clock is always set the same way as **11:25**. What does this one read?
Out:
**8:50**
